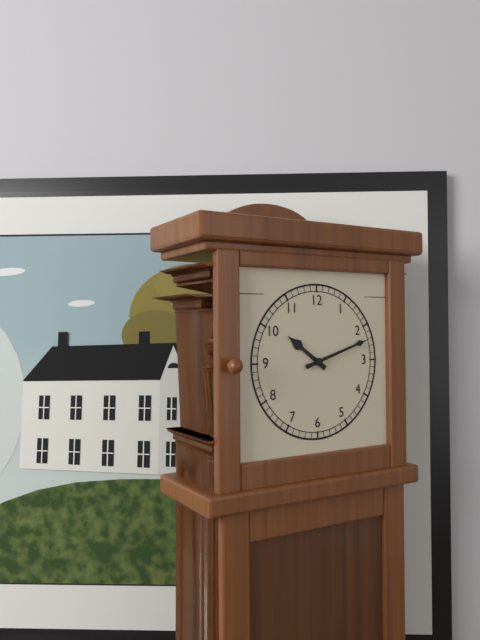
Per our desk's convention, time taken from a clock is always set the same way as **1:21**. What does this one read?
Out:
**10:12**
